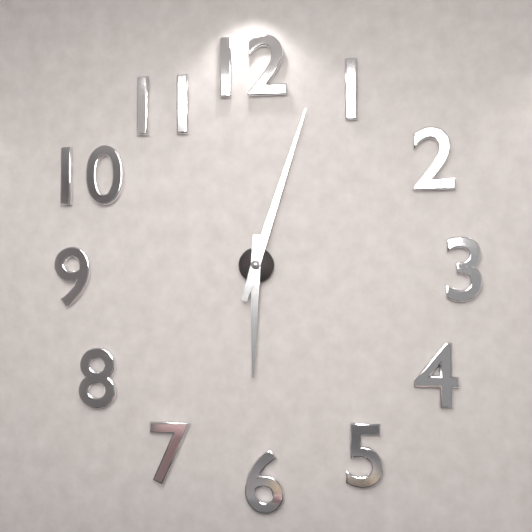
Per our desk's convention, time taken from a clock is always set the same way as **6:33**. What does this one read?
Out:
**6:03**
